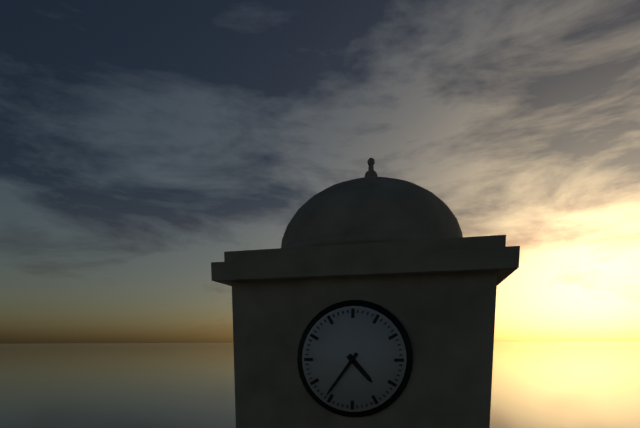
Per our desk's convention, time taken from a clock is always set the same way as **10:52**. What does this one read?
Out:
**4:36**
